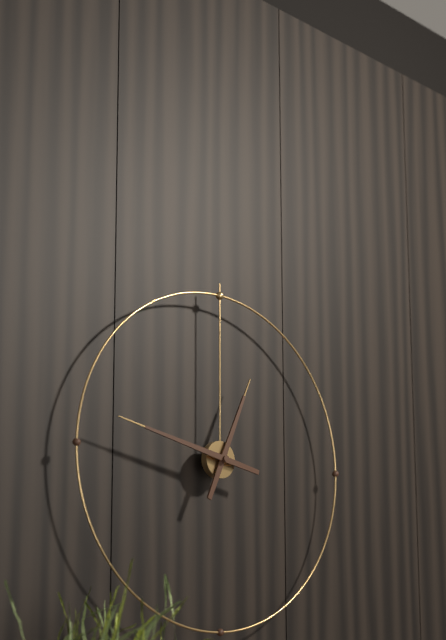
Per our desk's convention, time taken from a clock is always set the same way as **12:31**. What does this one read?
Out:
**12:47**
